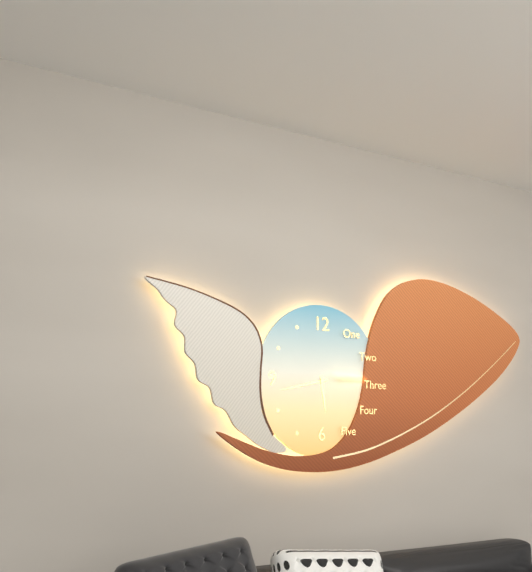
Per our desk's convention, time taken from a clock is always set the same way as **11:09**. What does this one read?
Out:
**5:43**
